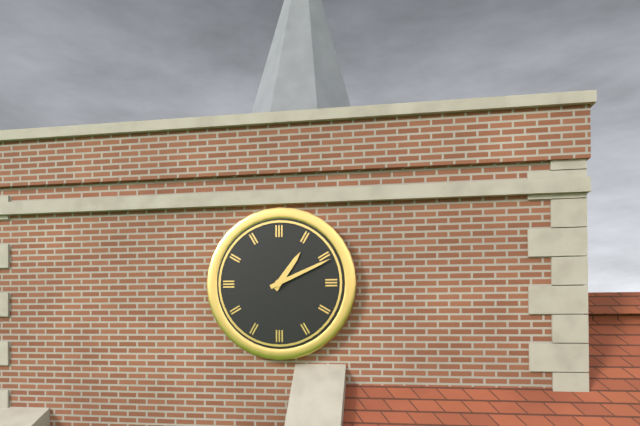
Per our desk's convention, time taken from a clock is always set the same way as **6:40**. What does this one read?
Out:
**1:11**
